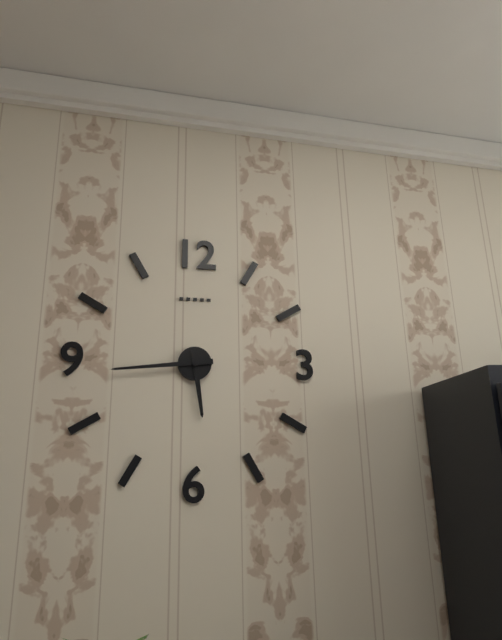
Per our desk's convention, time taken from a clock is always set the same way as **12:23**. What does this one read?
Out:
**5:44**
